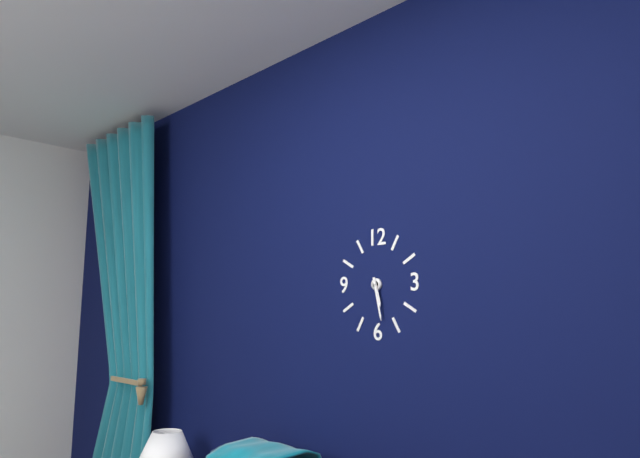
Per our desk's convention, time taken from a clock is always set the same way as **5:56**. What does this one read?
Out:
**5:28**
